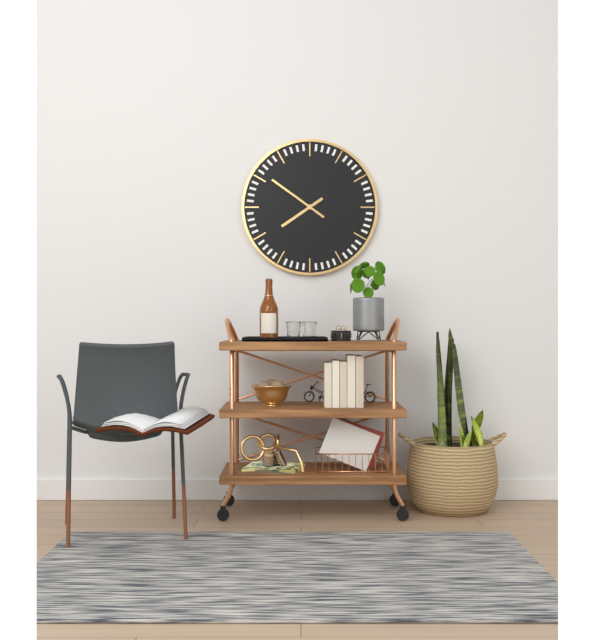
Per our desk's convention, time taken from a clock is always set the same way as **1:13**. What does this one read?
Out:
**7:51**
